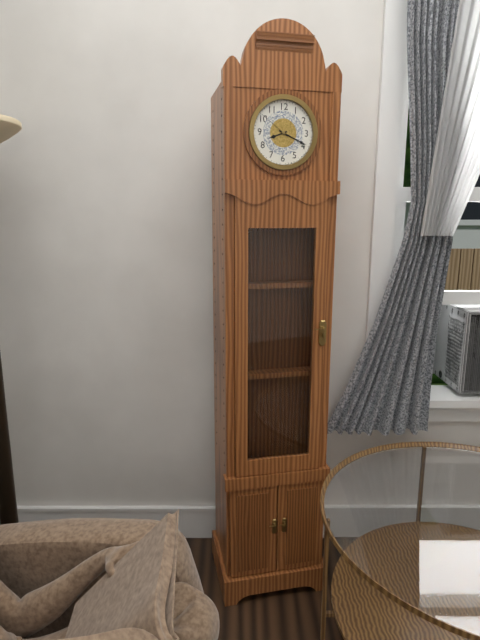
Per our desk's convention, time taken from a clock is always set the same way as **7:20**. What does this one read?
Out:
**8:19**
